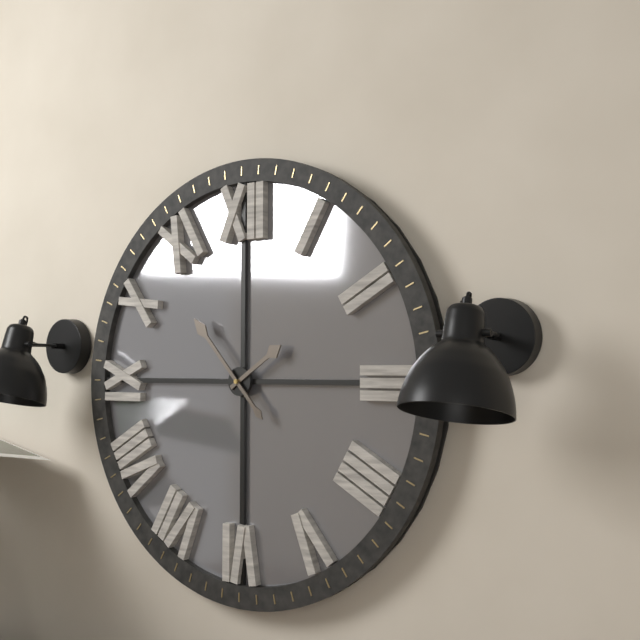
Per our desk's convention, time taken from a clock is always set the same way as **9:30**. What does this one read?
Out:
**1:53**
